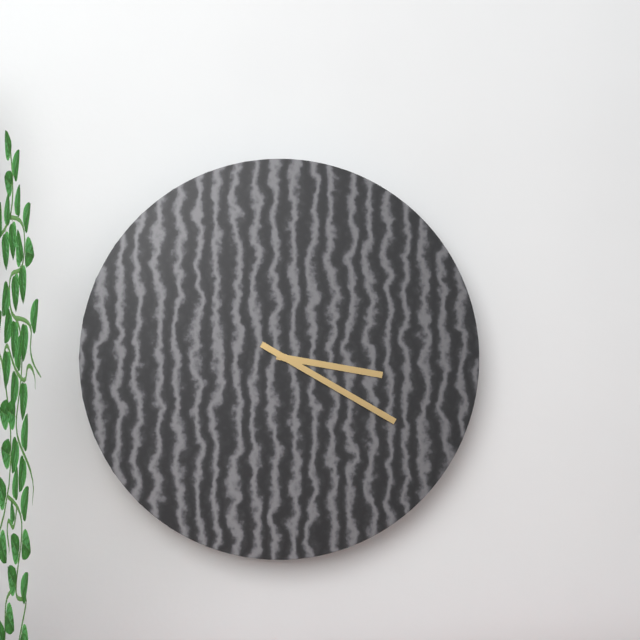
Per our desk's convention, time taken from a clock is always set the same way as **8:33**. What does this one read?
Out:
**3:20**
